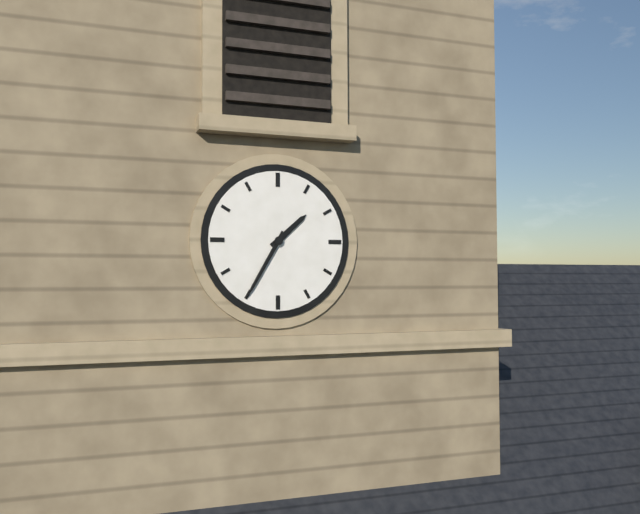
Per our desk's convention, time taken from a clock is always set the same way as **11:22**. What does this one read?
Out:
**1:35**
